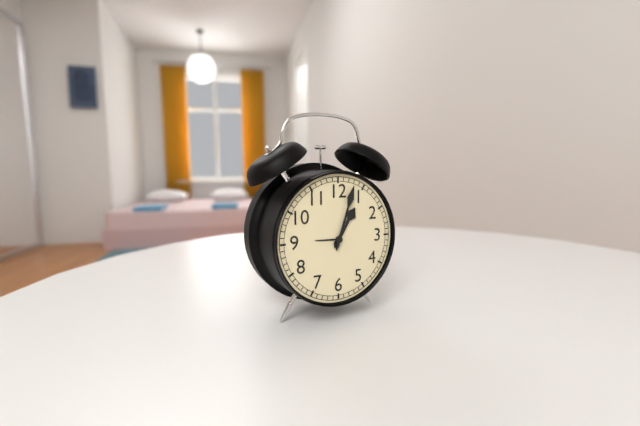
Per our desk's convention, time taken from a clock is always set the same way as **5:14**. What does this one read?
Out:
**1:03**
